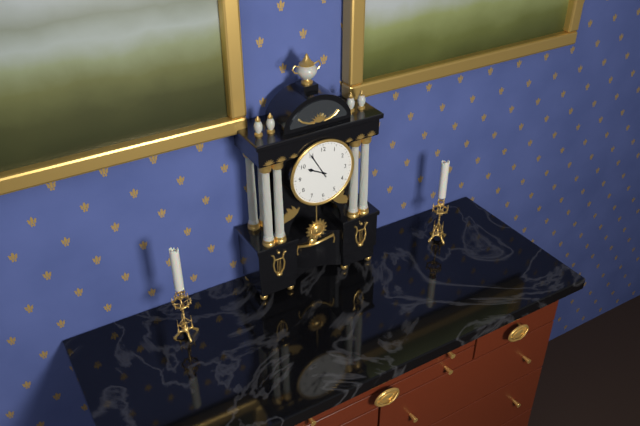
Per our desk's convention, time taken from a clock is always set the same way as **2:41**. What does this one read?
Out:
**9:55**
